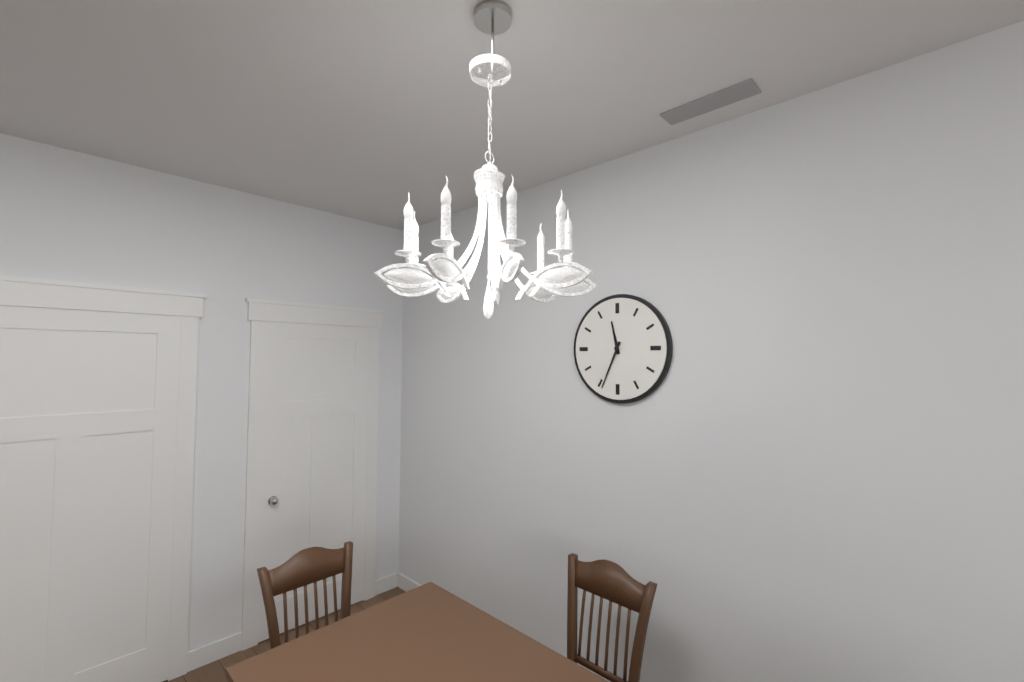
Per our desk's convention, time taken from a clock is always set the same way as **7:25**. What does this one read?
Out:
**11:34**
